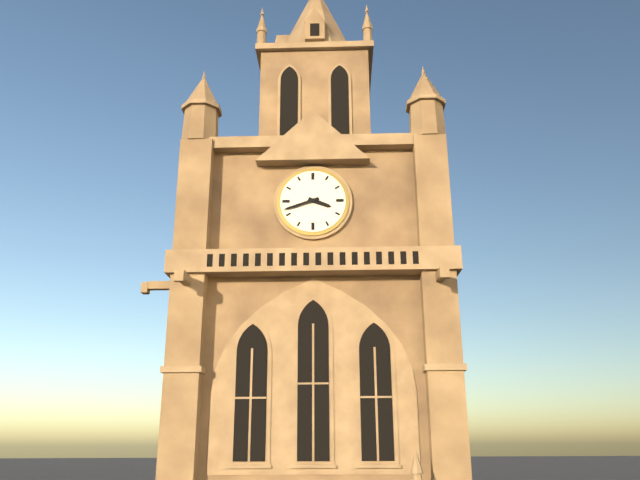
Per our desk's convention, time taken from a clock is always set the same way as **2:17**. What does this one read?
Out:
**3:42**
